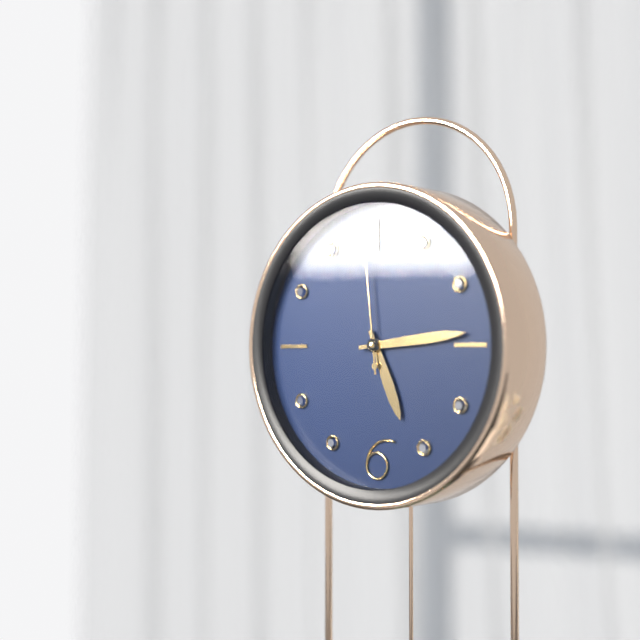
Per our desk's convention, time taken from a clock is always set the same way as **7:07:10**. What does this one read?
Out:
**5:14:59**
